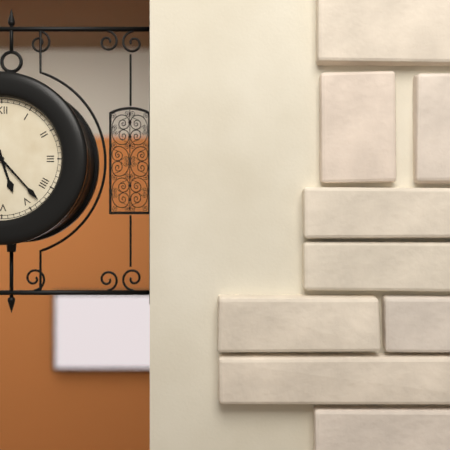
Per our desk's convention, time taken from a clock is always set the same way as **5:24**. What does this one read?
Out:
**5:23**
